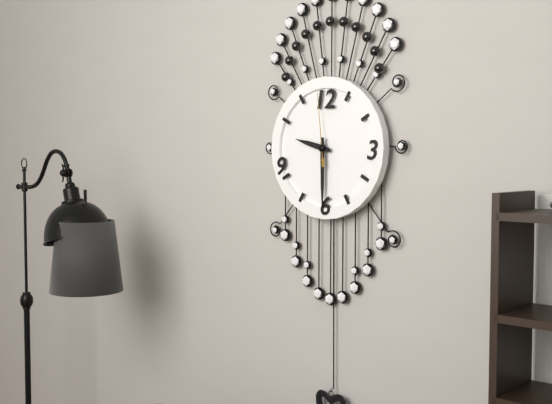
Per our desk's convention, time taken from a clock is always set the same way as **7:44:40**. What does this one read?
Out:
**9:30:59**
